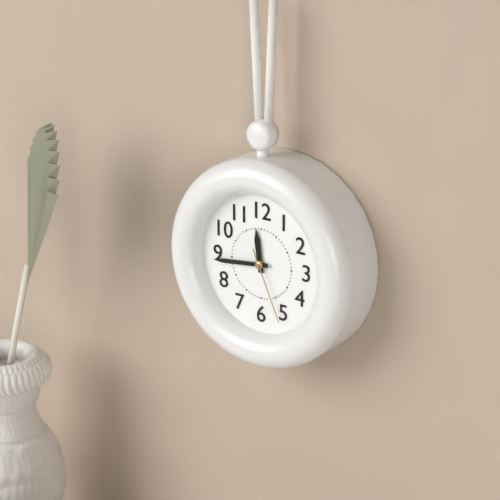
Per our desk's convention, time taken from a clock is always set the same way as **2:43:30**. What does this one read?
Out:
**11:44:26**
